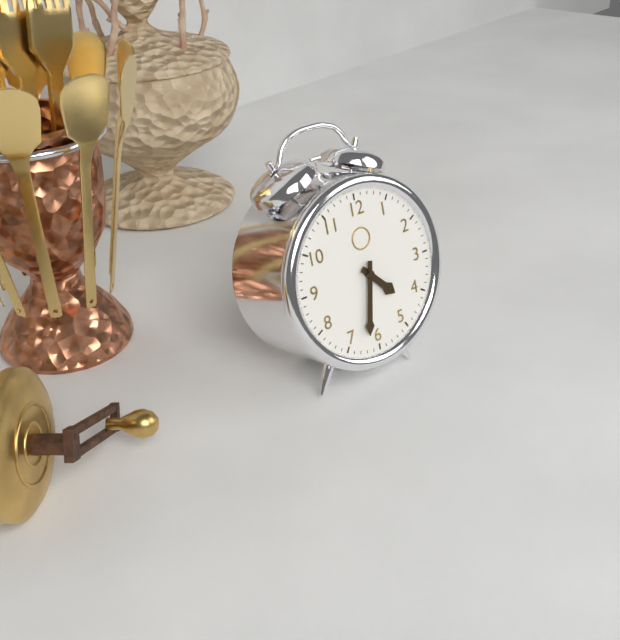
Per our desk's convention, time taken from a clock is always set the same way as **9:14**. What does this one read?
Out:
**4:32**
